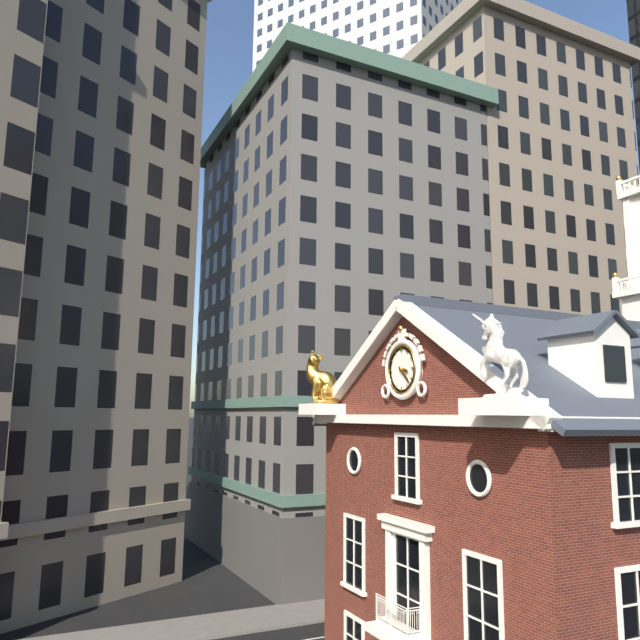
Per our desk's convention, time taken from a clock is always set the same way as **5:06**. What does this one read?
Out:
**3:22**
